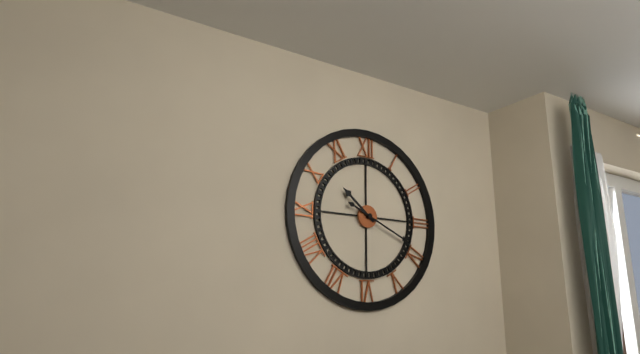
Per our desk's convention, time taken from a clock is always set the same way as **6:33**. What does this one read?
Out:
**10:19**
